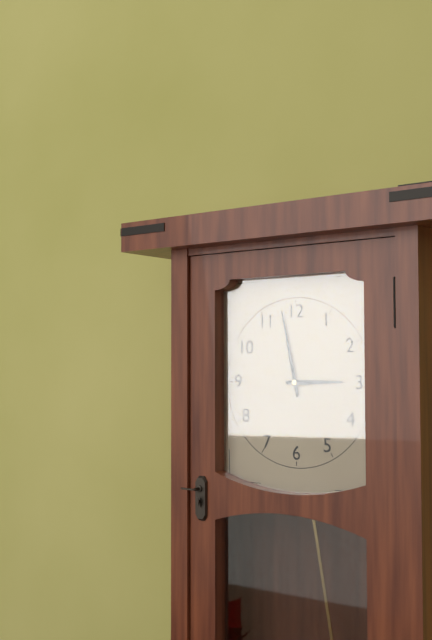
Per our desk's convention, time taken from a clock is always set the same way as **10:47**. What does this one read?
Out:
**2:58**
